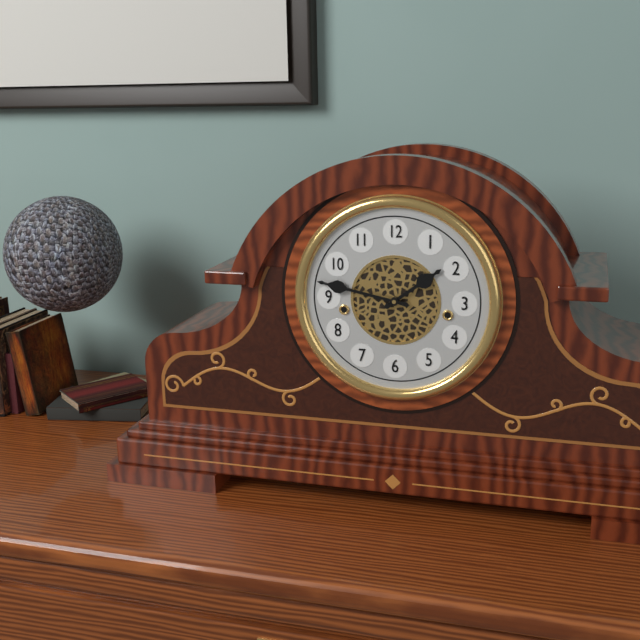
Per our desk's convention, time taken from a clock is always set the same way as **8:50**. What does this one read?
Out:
**1:47**
